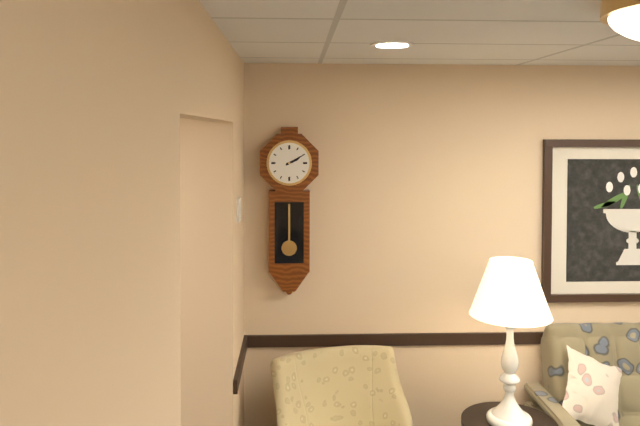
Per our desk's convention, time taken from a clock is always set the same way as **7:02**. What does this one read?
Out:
**2:10**
